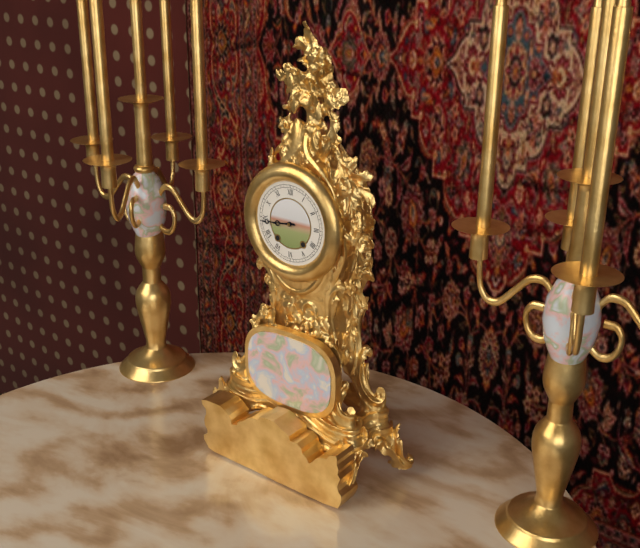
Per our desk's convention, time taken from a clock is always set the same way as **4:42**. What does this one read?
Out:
**8:44**
